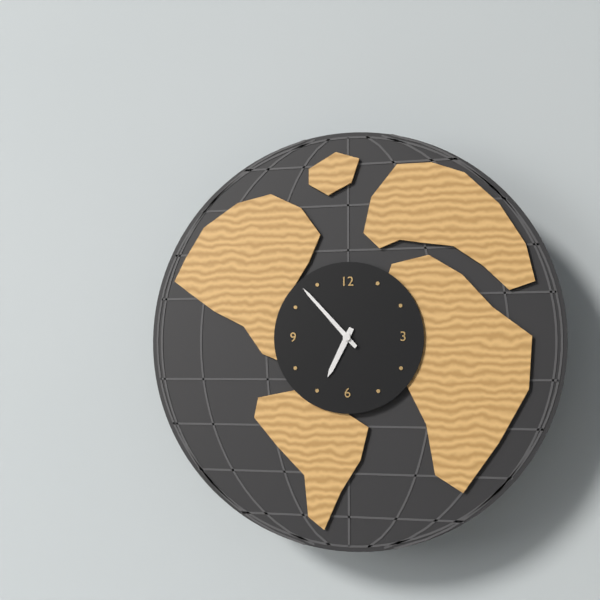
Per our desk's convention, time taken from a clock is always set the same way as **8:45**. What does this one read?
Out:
**6:53**
